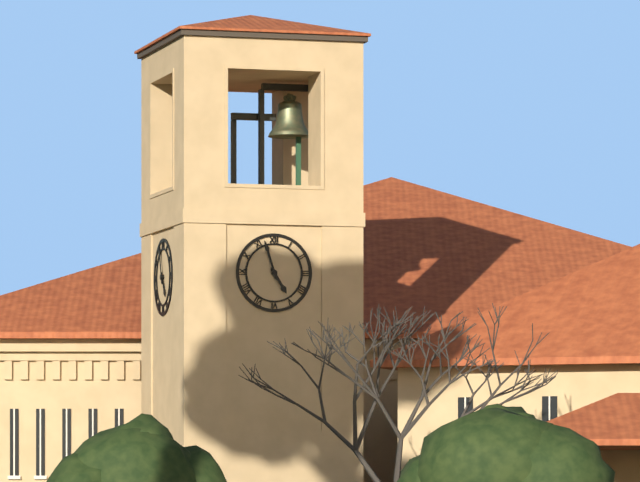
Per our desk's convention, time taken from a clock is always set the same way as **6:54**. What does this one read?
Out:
**4:57**
